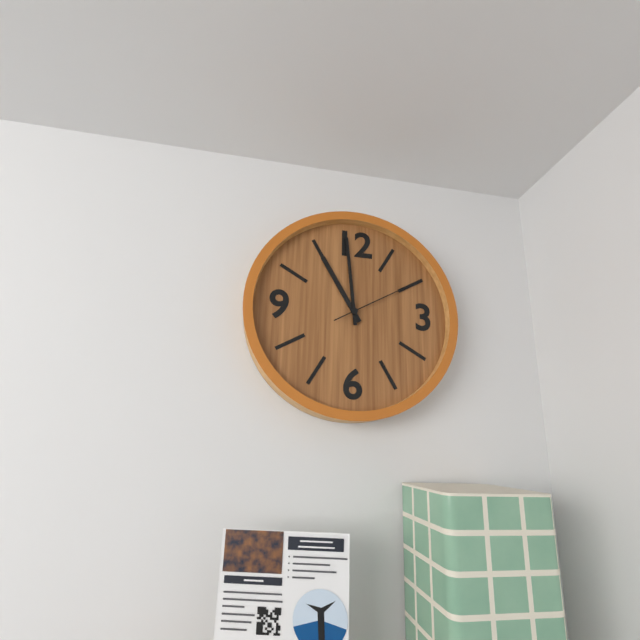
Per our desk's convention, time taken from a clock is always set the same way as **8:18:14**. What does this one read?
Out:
**10:59:10**
